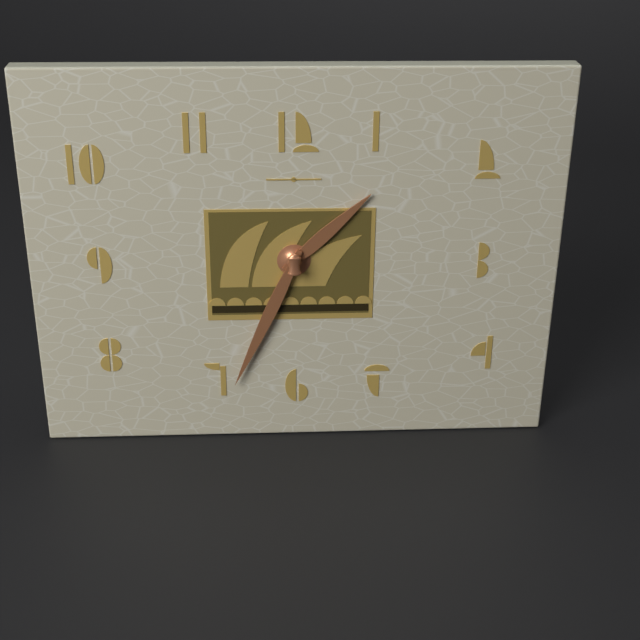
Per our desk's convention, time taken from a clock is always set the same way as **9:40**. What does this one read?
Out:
**1:34**
